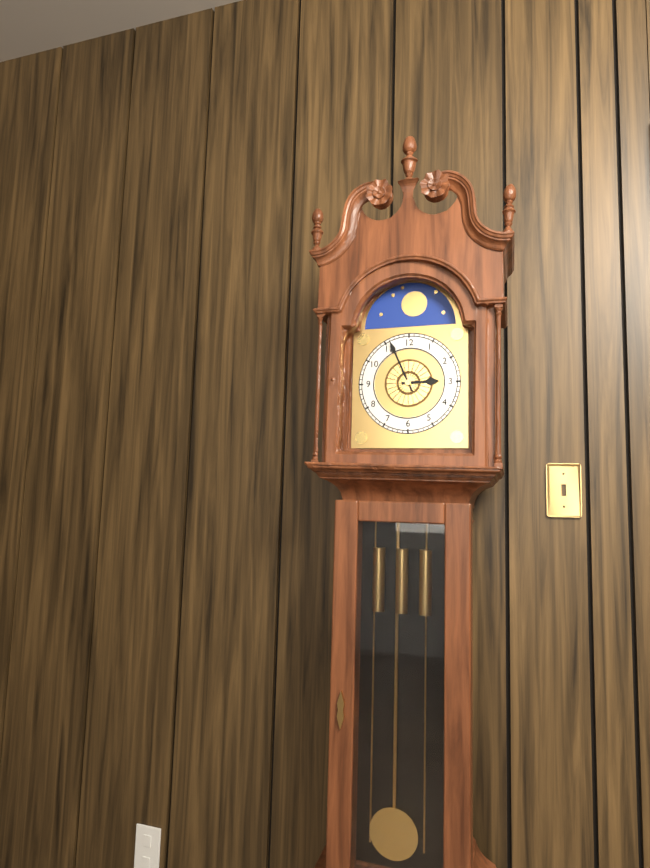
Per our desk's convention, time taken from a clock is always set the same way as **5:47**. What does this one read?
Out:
**2:56**
